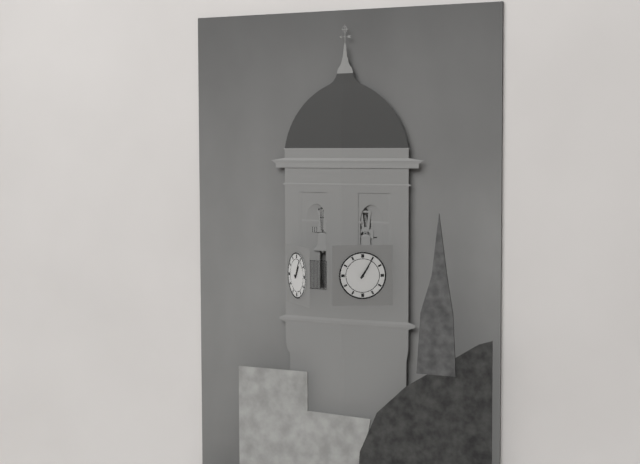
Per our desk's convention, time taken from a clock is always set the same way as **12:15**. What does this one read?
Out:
**1:05**
